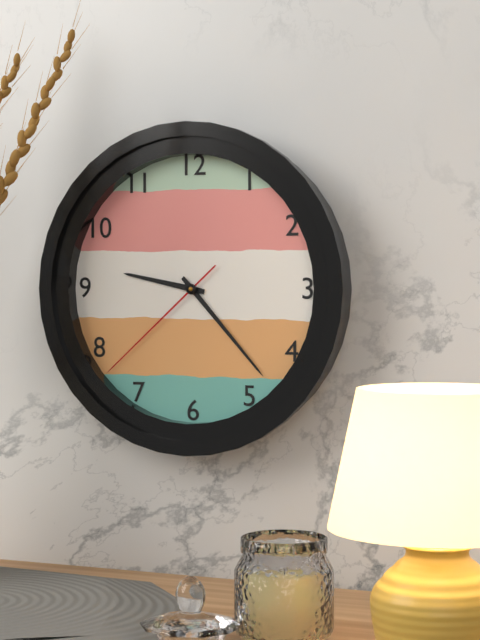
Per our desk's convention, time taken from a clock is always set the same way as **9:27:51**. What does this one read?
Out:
**9:23:38**
